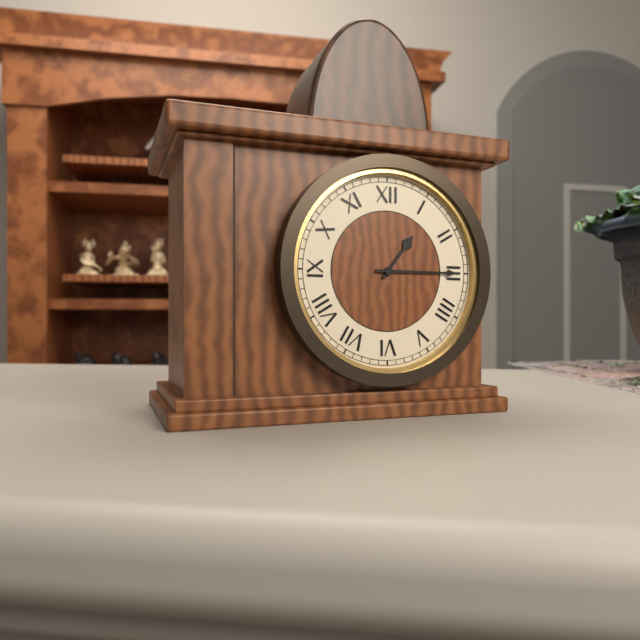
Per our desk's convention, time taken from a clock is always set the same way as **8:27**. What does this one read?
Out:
**1:15**
